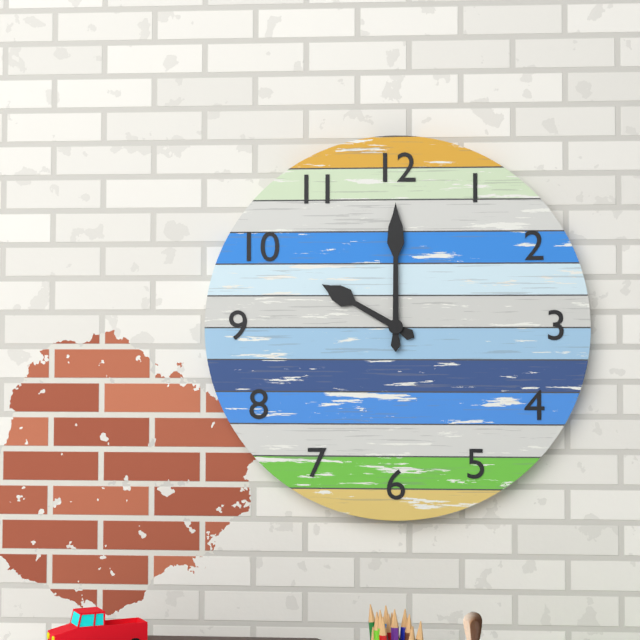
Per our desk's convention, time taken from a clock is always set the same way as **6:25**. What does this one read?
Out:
**10:00**
